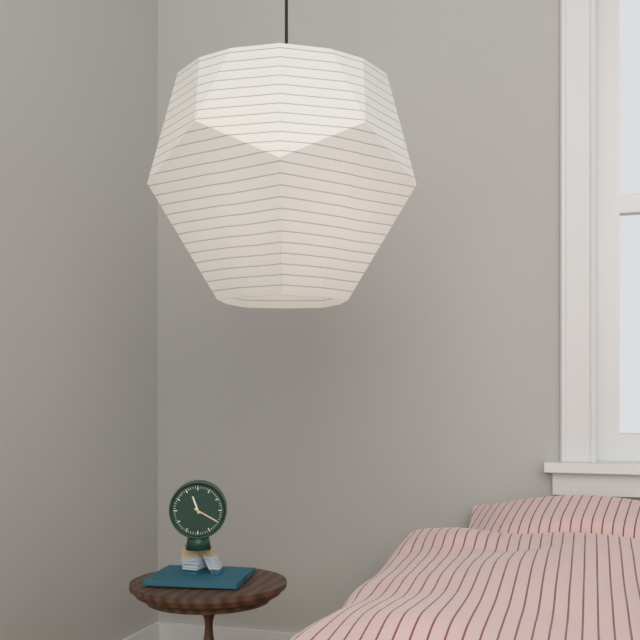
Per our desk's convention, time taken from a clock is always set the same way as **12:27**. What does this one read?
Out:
**11:20**
